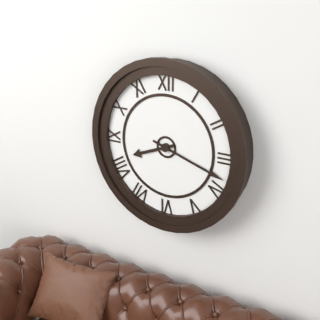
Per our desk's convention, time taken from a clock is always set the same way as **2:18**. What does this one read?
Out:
**8:18**
